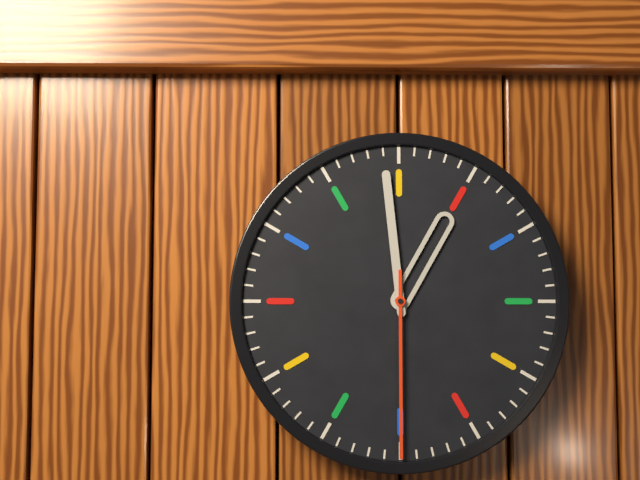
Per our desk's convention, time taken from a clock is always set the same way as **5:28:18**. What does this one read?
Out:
**12:59:30**
